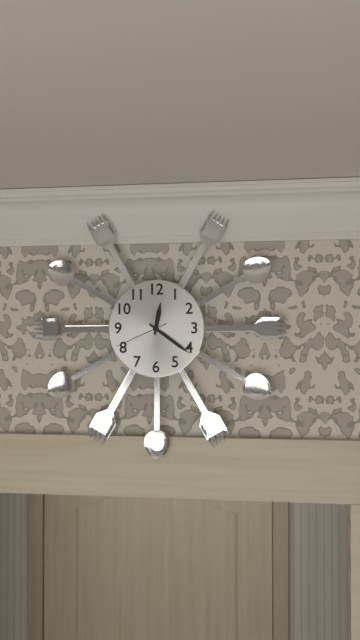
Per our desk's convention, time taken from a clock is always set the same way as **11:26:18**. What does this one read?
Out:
**12:21:41**
